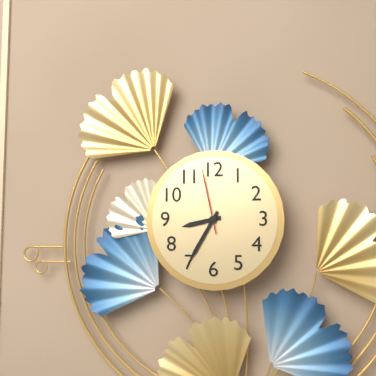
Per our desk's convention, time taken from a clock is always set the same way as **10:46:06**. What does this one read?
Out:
**8:35:58**
